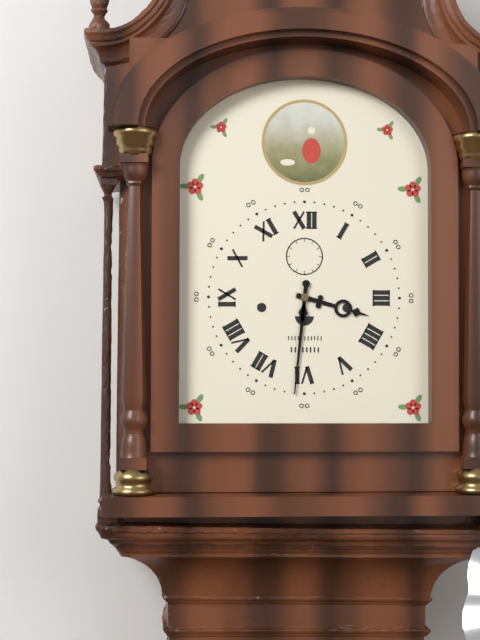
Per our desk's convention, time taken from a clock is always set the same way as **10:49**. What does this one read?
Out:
**3:31**
